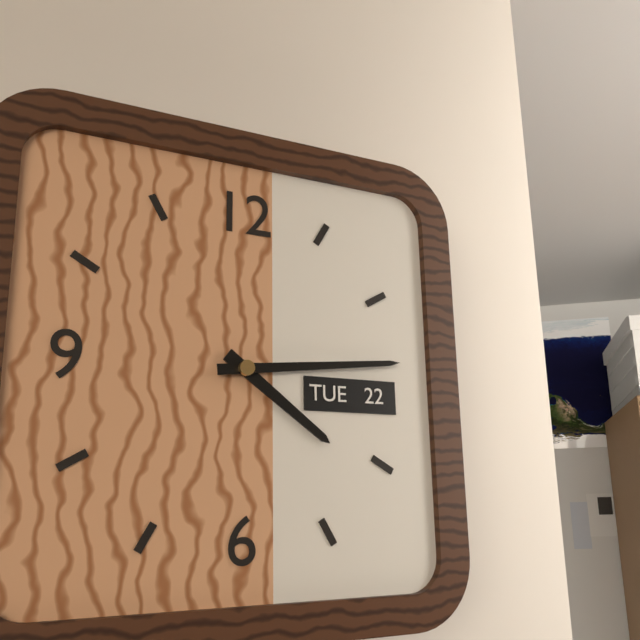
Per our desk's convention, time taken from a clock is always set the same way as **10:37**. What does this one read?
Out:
**4:14**
